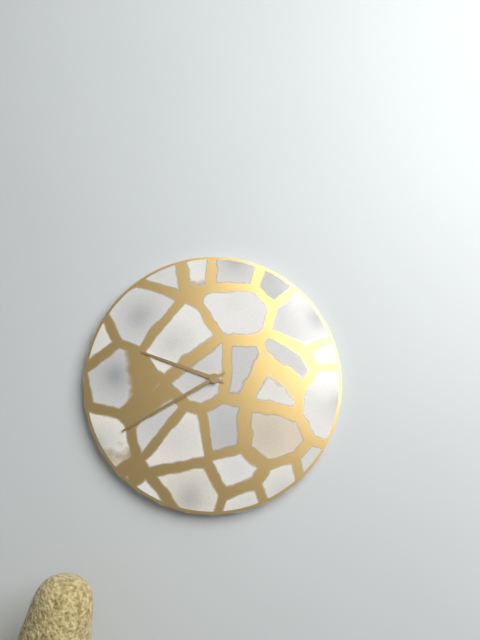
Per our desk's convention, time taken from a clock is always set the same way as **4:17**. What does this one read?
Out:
**9:40**
